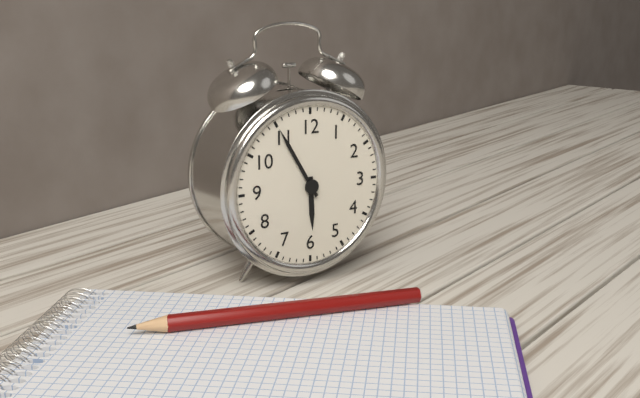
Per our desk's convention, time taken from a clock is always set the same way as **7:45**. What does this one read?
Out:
**5:55**
